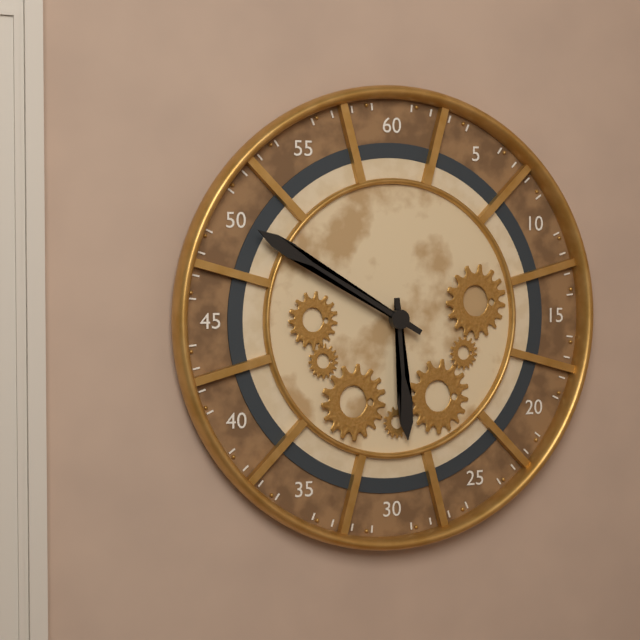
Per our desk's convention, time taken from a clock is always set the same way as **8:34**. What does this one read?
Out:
**5:50**
